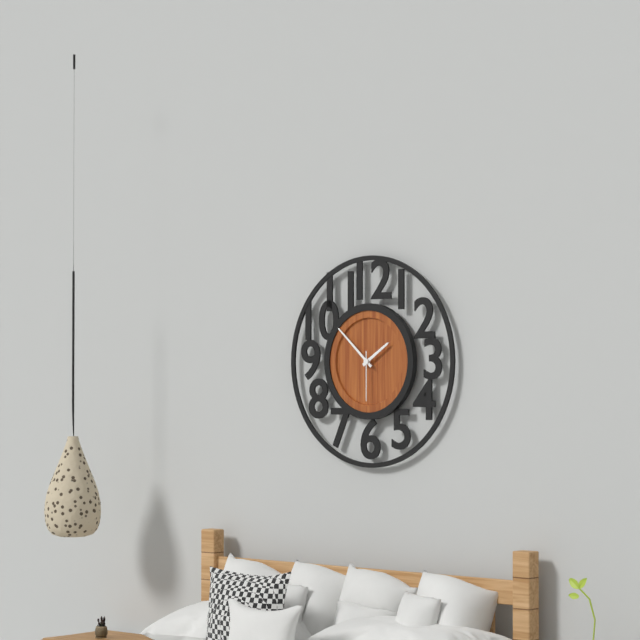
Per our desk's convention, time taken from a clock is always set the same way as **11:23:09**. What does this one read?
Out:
**1:52:30**
